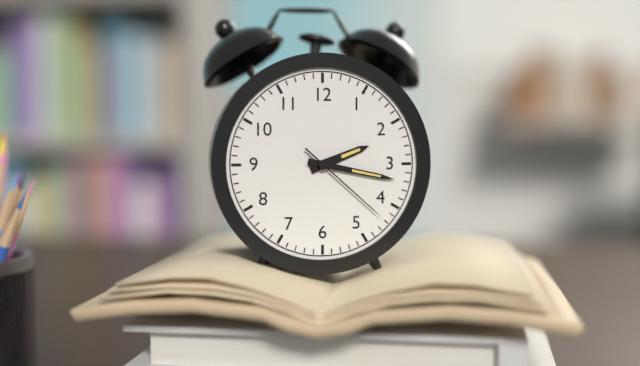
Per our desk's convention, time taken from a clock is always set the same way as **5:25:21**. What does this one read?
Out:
**2:17:22**
